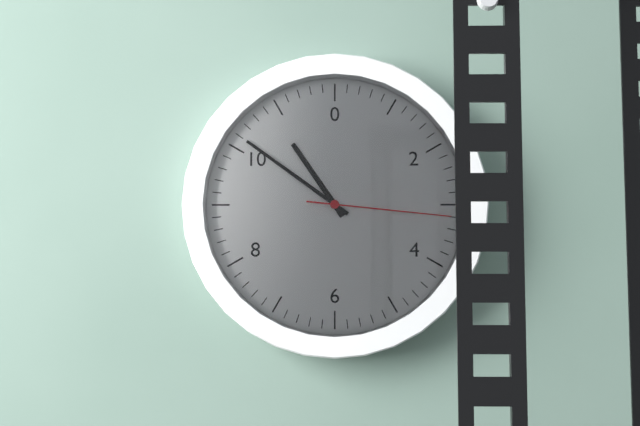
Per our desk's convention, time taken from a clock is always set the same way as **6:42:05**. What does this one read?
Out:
**10:51:16**
